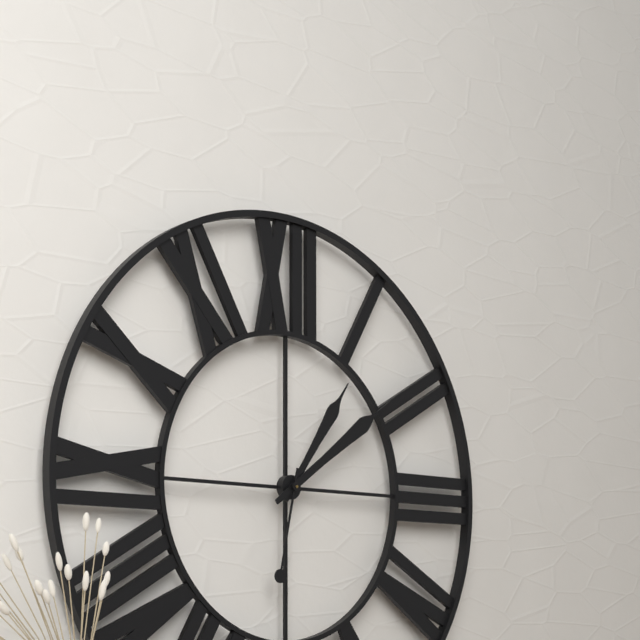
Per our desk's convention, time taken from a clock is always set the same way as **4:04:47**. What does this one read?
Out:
**1:09:32**
